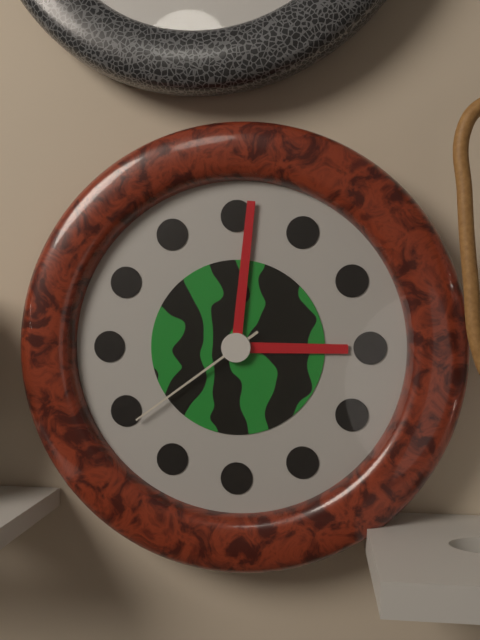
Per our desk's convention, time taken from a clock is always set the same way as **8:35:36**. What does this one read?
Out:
**3:01:39**
